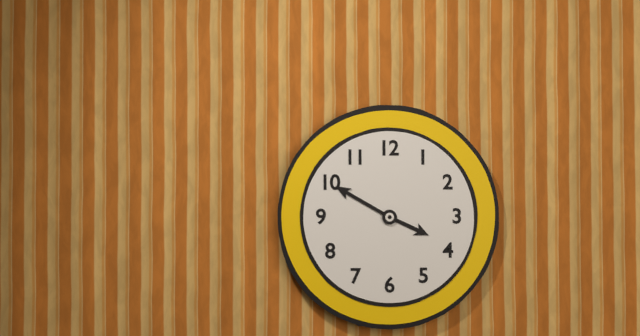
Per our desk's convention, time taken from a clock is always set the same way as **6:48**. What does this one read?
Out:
**3:50**
